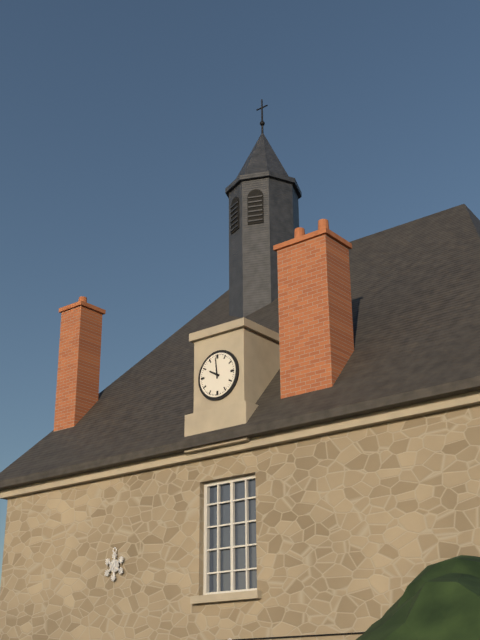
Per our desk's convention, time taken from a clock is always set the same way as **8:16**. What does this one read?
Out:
**9:59**
